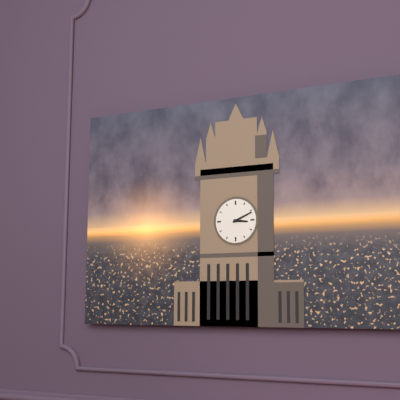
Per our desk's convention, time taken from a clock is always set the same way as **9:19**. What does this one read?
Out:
**3:11**
